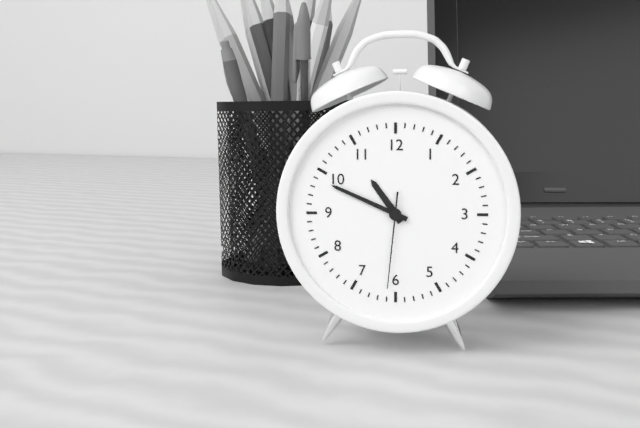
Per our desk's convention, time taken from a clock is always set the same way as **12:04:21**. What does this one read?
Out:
**10:49:31**
